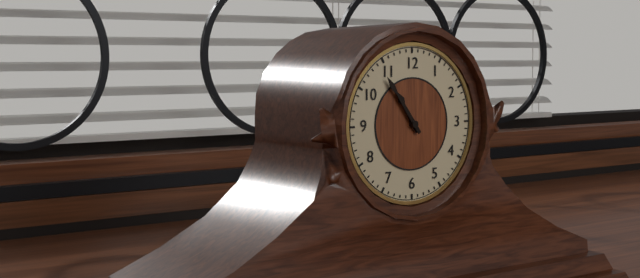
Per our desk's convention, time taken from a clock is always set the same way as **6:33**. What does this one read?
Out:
**10:54**
